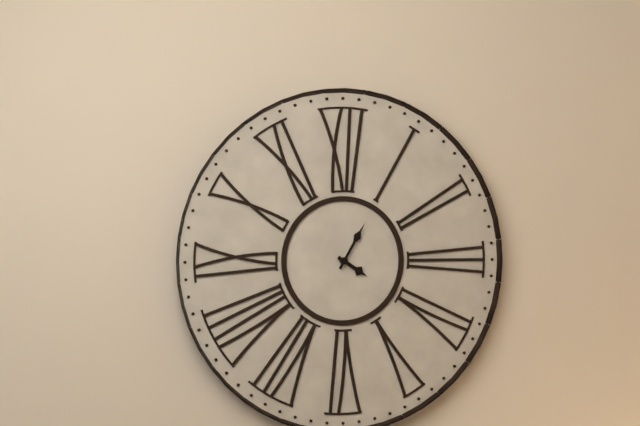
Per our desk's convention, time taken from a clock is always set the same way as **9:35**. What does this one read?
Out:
**4:05**
